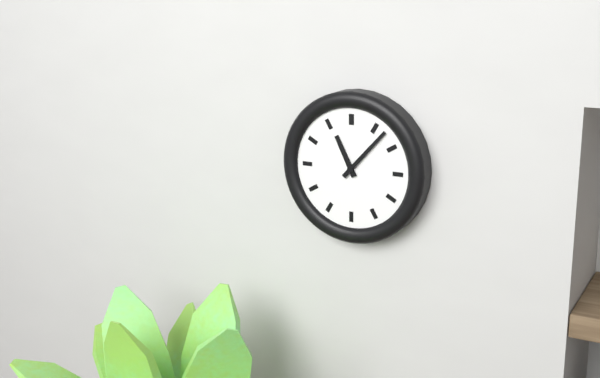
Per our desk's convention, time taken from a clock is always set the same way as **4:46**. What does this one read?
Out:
**11:07**
